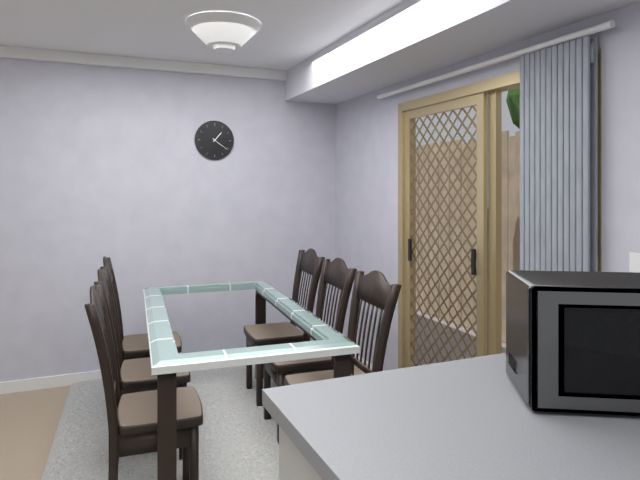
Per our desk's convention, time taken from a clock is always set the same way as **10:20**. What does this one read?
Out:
**1:21**
